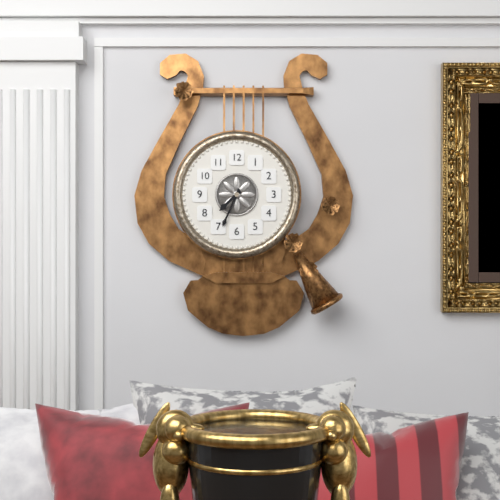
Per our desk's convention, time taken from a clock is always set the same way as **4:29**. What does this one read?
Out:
**7:34**
